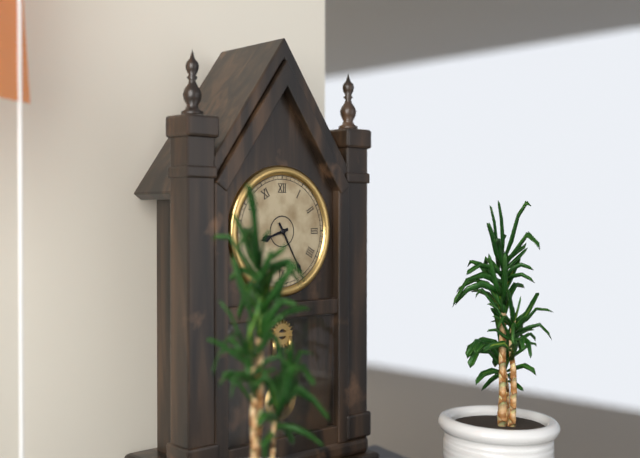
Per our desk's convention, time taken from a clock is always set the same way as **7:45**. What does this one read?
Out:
**8:25**
